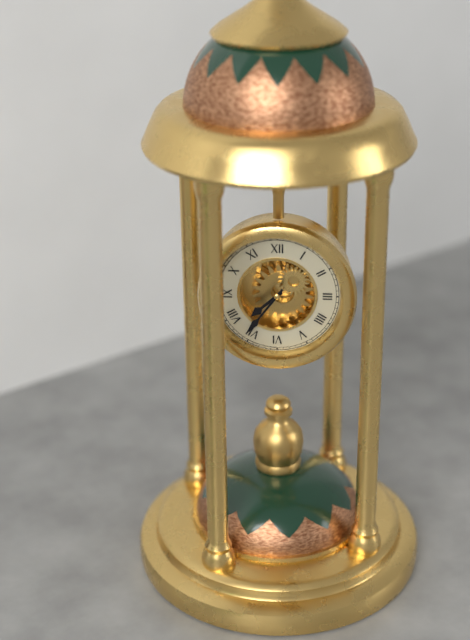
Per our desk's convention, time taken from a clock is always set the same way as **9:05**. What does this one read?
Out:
**7:36**
